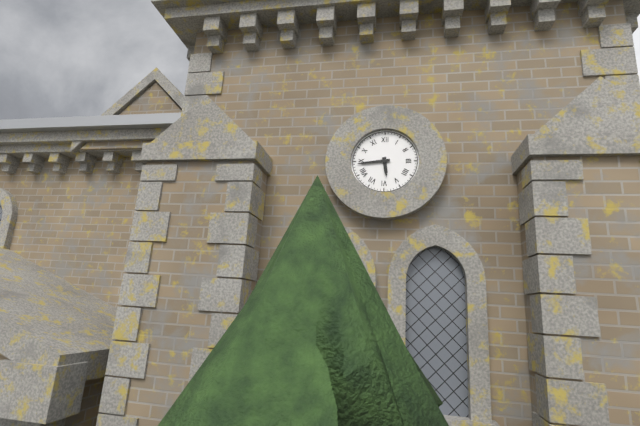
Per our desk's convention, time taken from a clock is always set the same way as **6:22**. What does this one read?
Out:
**5:44**
